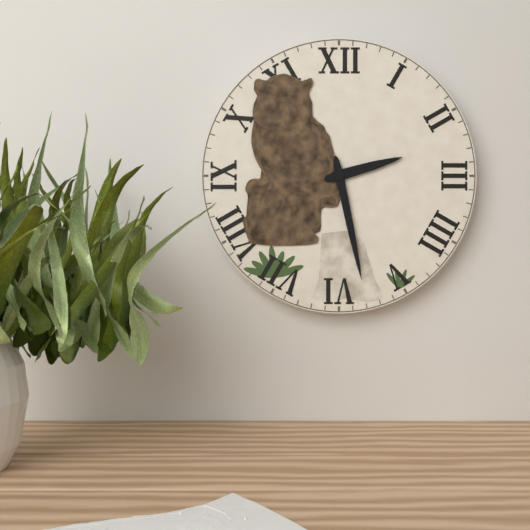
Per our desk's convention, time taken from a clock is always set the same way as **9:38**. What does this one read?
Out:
**2:28**
